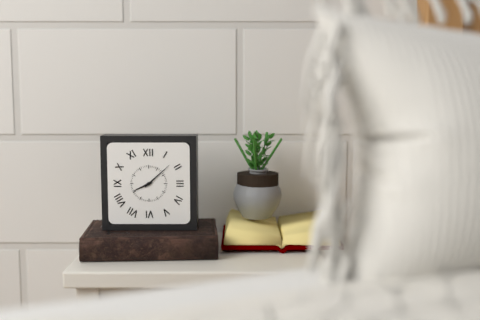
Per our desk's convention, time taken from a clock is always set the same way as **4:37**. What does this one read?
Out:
**8:08**
